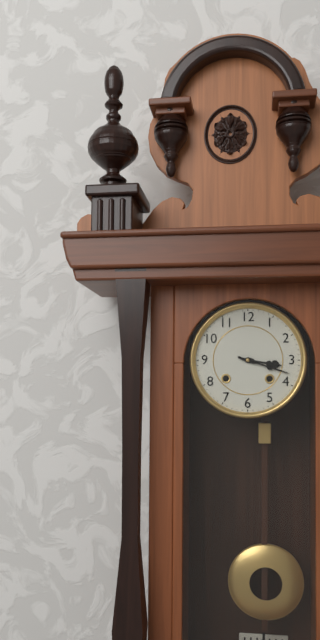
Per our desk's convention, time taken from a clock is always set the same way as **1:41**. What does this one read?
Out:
**3:18**
